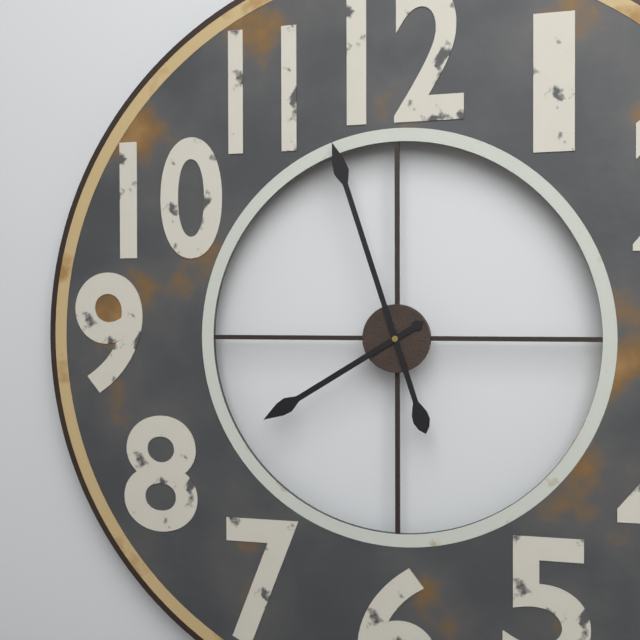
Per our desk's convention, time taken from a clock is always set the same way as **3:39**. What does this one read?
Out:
**7:57**
